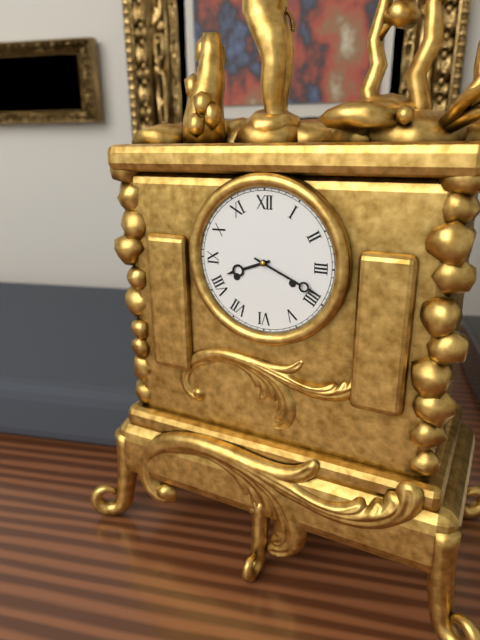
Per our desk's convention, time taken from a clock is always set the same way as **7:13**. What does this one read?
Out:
**8:19**
